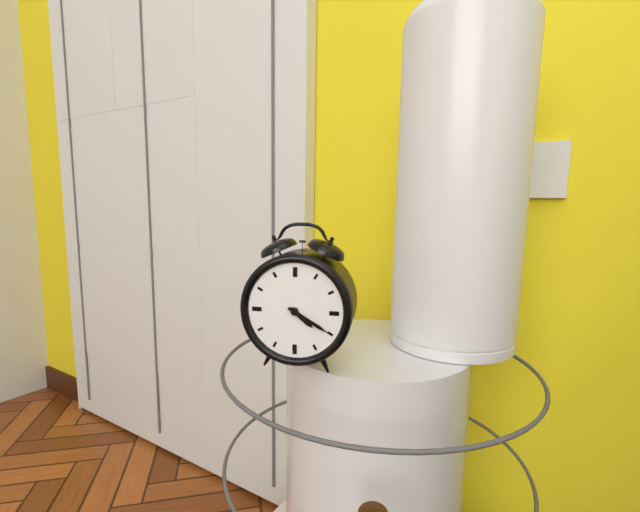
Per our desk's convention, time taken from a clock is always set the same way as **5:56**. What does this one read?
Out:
**4:20**
